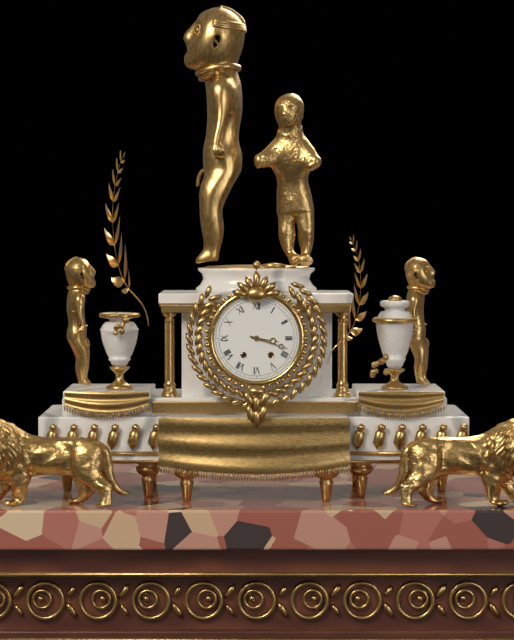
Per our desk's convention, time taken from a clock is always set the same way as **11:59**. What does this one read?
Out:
**3:18**
